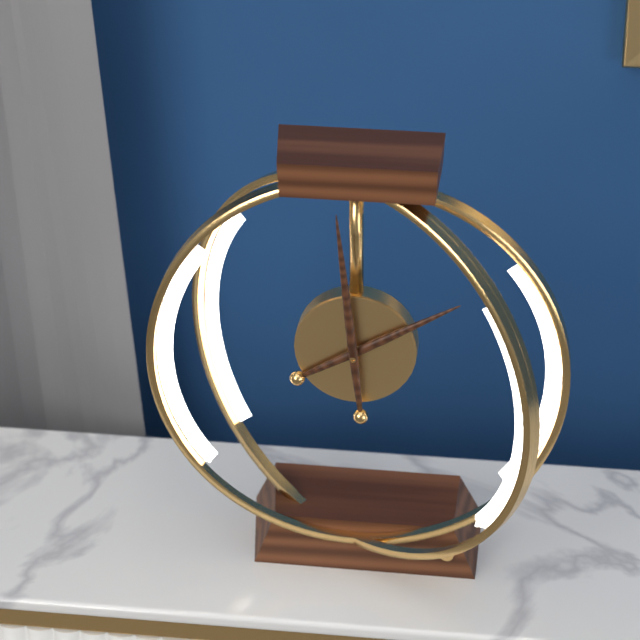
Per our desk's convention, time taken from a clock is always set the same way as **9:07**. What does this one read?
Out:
**1:59**
